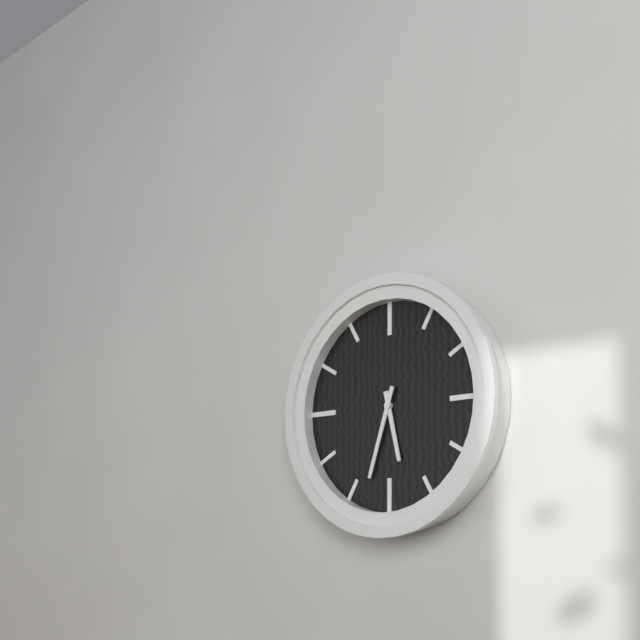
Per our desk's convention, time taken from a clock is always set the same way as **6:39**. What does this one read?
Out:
**5:33**
